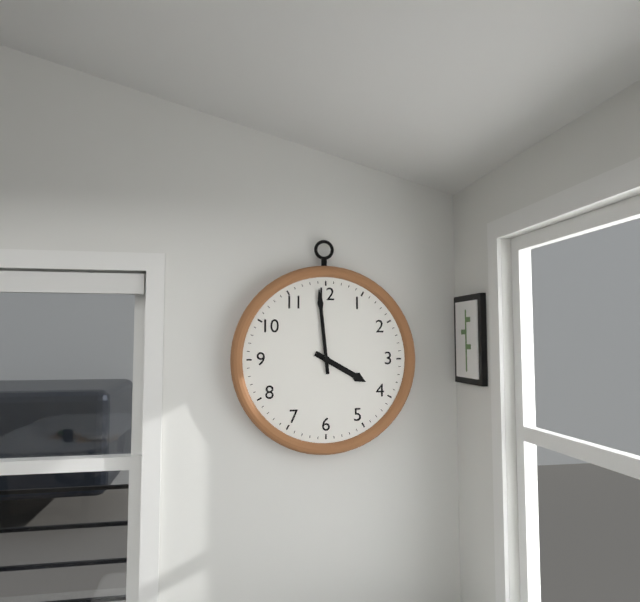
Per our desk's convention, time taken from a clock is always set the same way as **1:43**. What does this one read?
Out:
**3:59**
